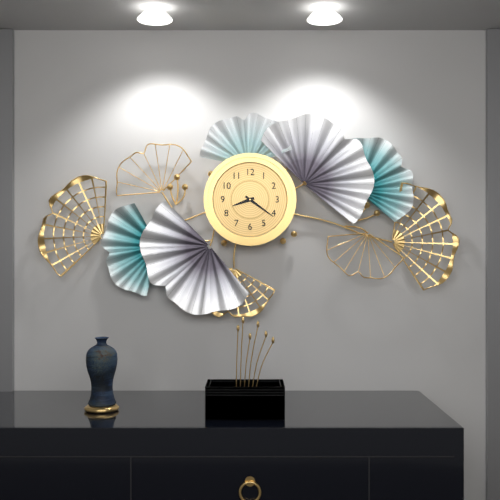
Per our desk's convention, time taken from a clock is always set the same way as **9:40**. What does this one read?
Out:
**8:21**
